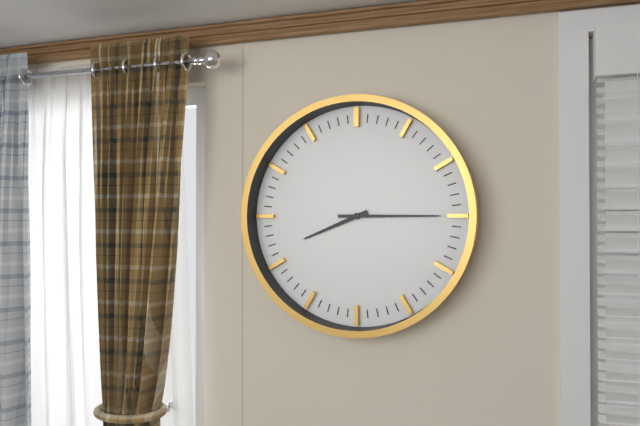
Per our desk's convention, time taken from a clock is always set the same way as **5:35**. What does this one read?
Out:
**8:15**
